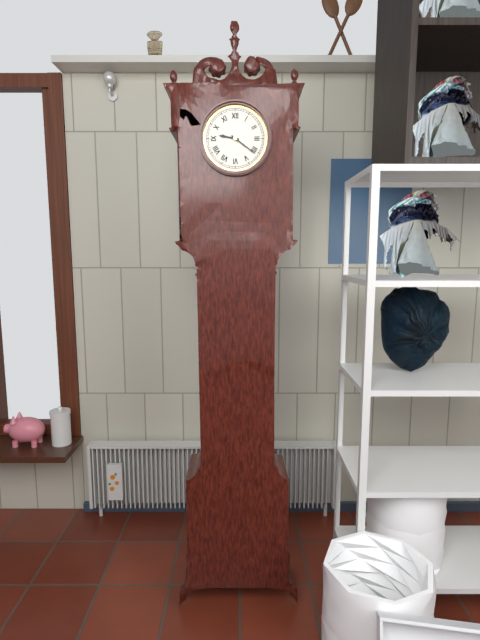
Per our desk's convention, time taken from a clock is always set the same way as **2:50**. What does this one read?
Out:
**9:21**
